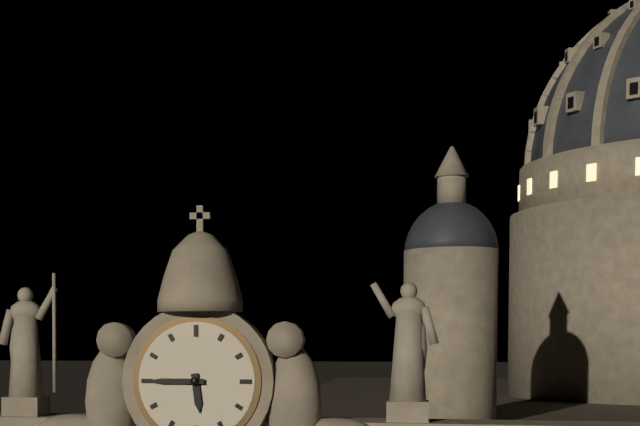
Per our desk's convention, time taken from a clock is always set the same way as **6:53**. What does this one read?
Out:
**5:45**
